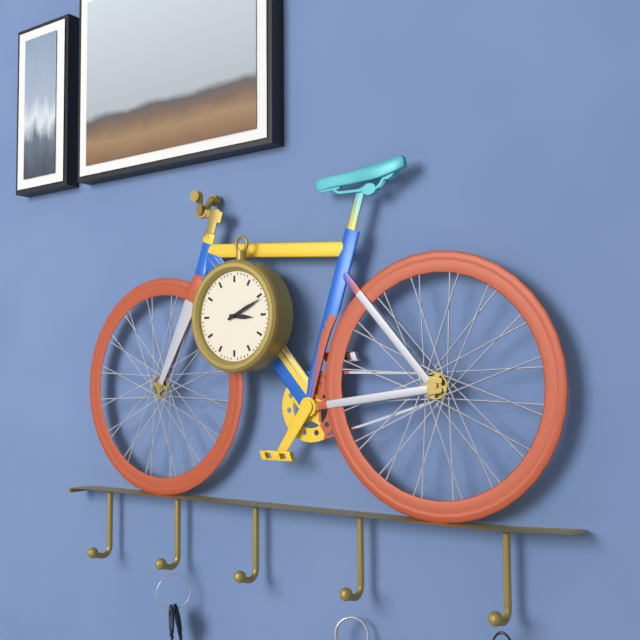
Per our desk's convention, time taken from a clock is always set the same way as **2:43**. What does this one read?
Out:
**3:11**
